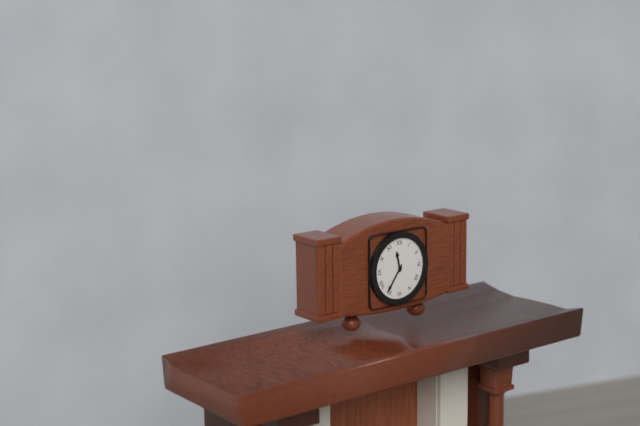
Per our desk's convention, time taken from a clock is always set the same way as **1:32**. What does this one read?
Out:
**11:36**
